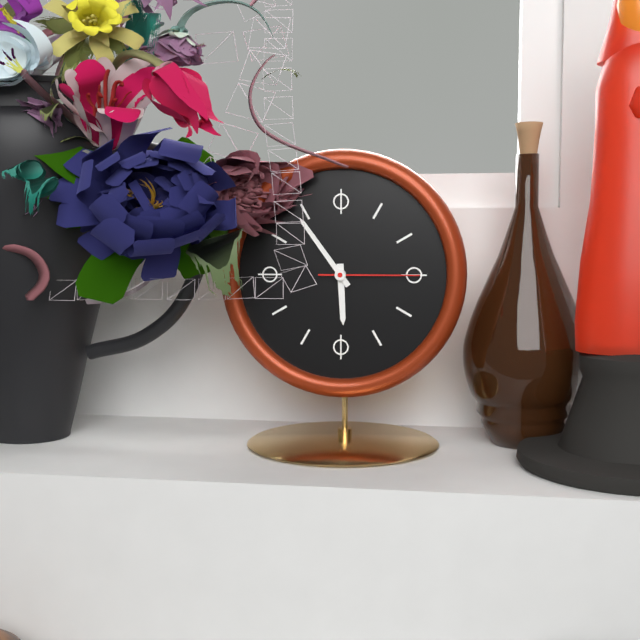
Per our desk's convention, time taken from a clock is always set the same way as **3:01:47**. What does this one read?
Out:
**5:54:15**
